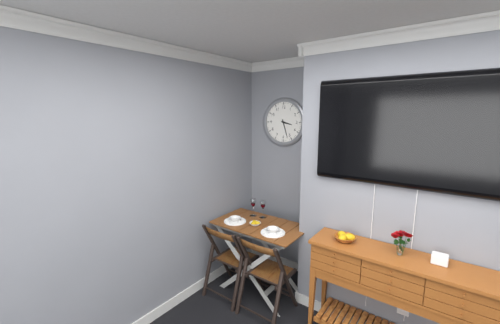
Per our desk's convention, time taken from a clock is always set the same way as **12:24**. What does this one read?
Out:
**3:27**
